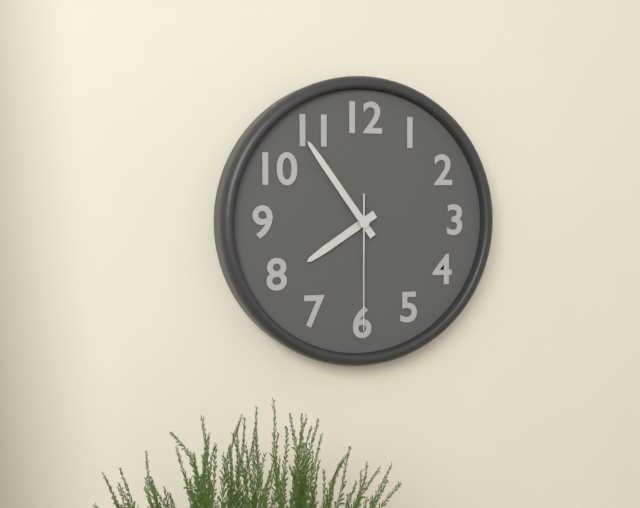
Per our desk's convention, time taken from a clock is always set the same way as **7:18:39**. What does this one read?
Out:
**7:54:30**
